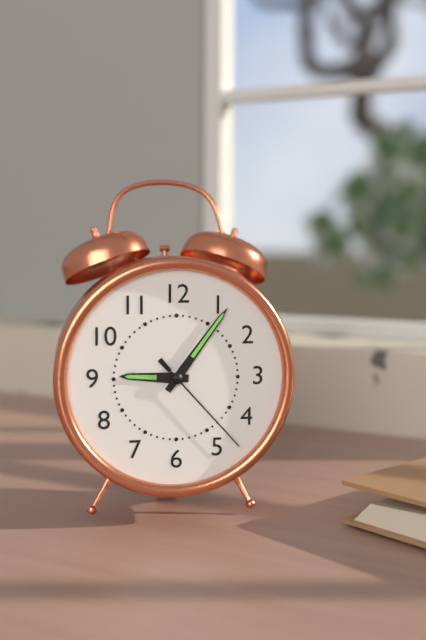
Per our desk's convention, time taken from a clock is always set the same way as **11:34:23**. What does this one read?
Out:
**9:06:23**
